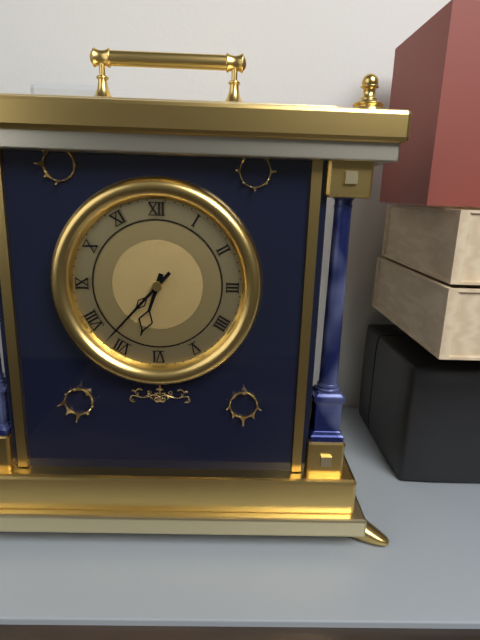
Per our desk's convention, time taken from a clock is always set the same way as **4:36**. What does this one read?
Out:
**6:37**
